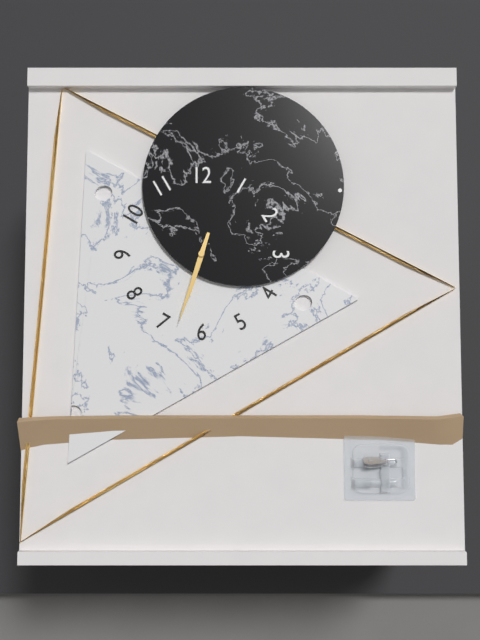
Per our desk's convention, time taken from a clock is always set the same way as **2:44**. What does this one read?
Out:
**6:33**
